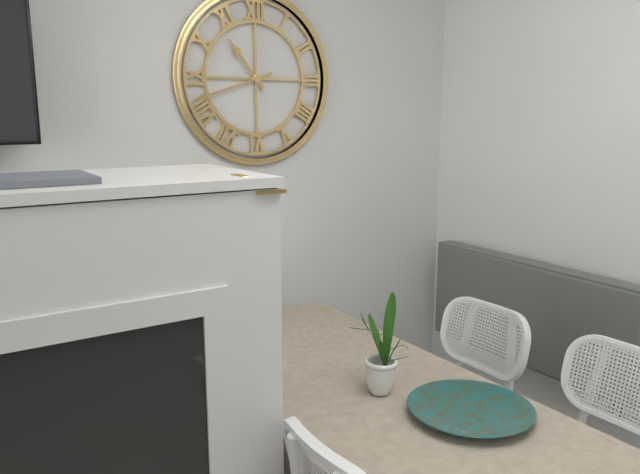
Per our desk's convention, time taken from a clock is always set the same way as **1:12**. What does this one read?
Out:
**10:42**
